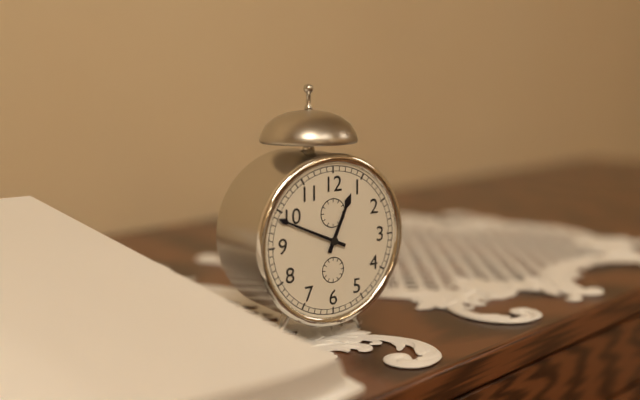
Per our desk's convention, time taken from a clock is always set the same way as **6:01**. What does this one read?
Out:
**12:49**
